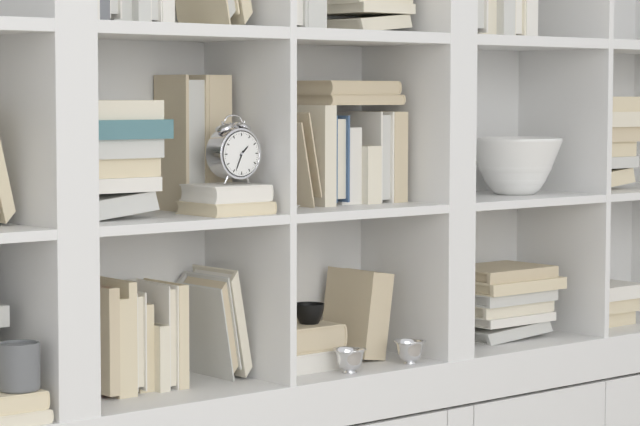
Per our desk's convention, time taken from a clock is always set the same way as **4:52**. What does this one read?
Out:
**1:34**
